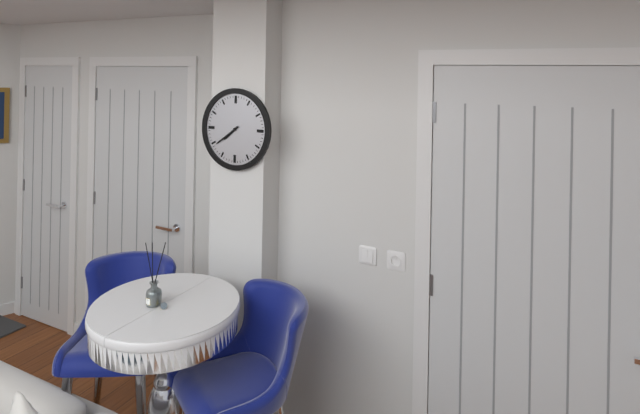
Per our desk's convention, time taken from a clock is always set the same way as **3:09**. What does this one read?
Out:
**7:39**
